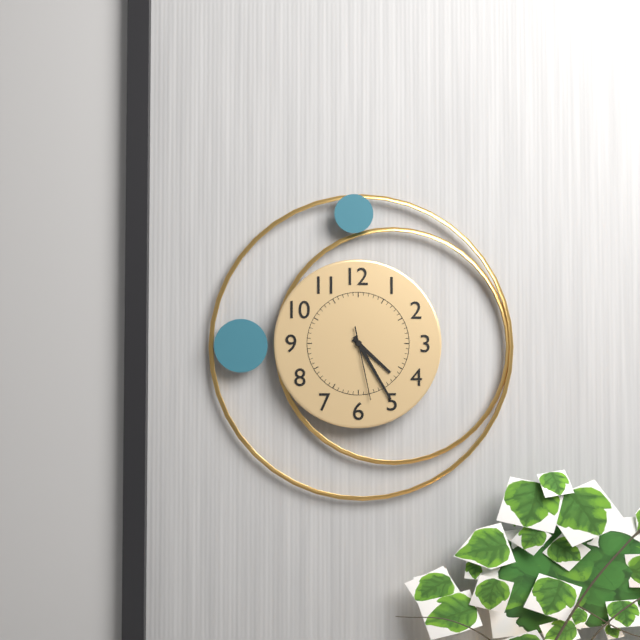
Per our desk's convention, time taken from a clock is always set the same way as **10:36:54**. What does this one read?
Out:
**4:25:28**
